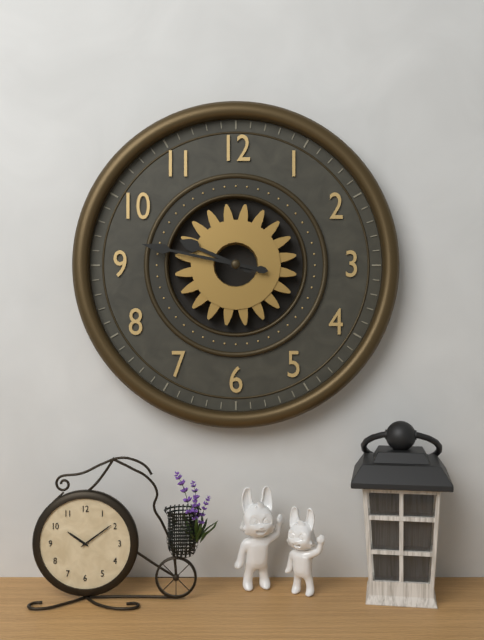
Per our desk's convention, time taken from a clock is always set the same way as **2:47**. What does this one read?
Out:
**9:47**
